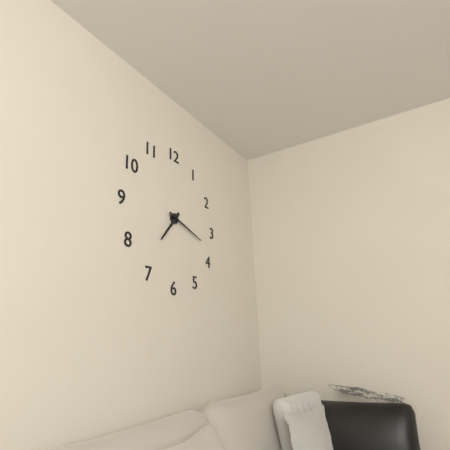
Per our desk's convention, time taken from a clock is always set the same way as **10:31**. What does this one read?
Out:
**7:18**
